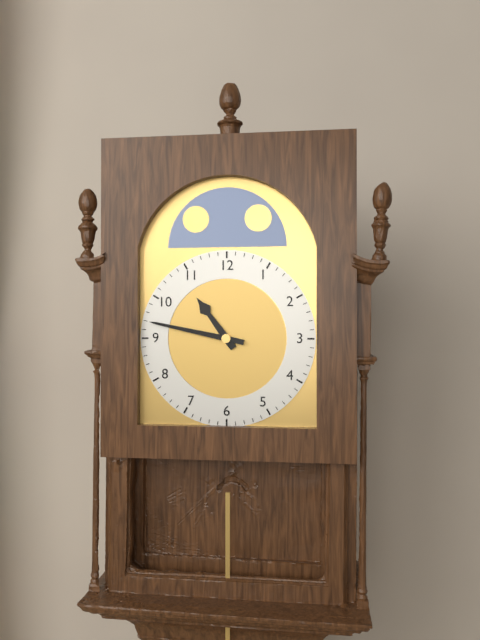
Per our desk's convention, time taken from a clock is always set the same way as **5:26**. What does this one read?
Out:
**10:47**
